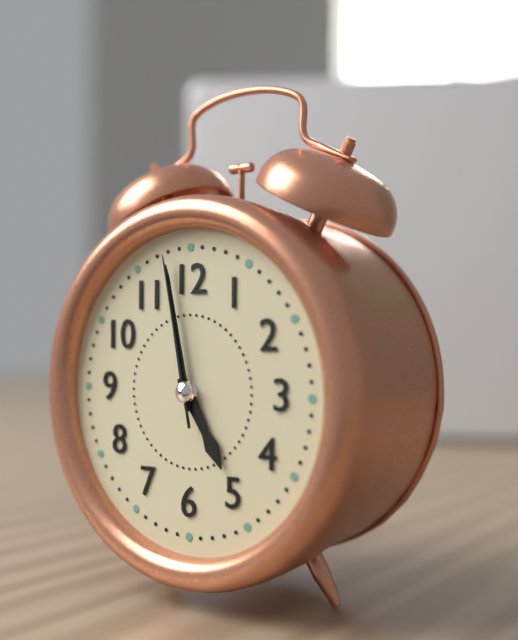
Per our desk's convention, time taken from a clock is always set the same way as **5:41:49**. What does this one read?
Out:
**4:58:58**
